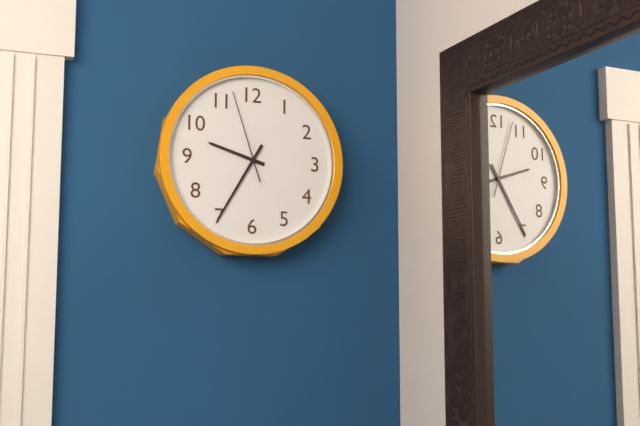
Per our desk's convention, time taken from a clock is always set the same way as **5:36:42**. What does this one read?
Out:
**9:35:57**
